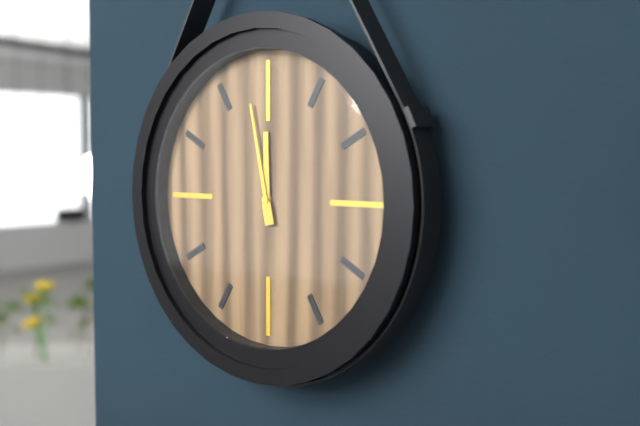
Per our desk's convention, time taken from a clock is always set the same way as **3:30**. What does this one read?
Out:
**11:58**
